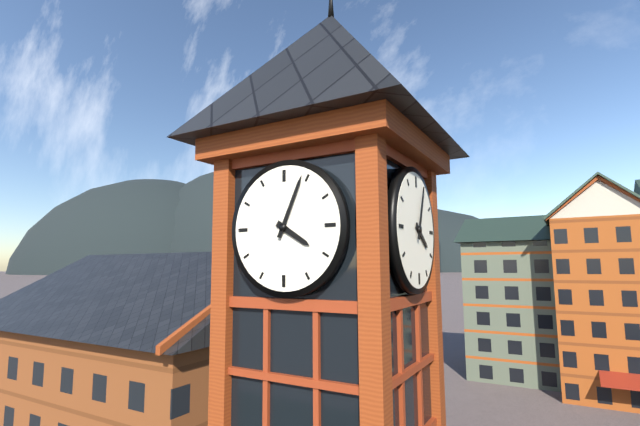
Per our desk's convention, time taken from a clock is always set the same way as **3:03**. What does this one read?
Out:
**4:04**
